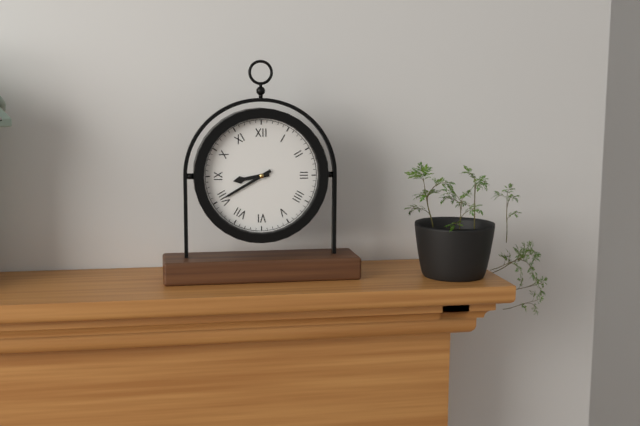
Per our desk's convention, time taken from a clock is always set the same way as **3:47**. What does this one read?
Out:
**8:40**
